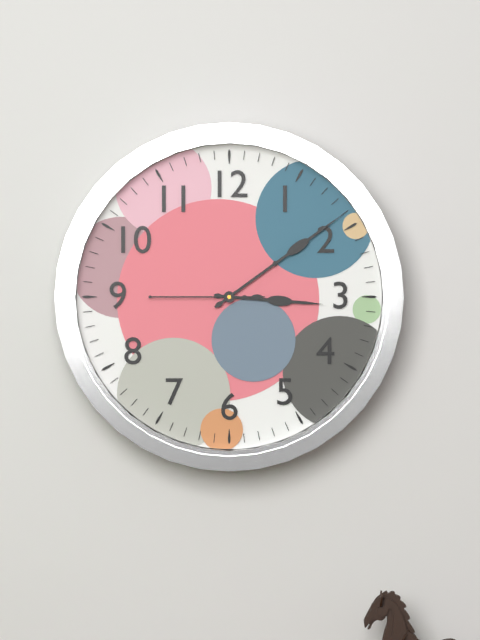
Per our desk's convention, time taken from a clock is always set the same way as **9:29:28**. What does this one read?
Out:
**3:09:45**
